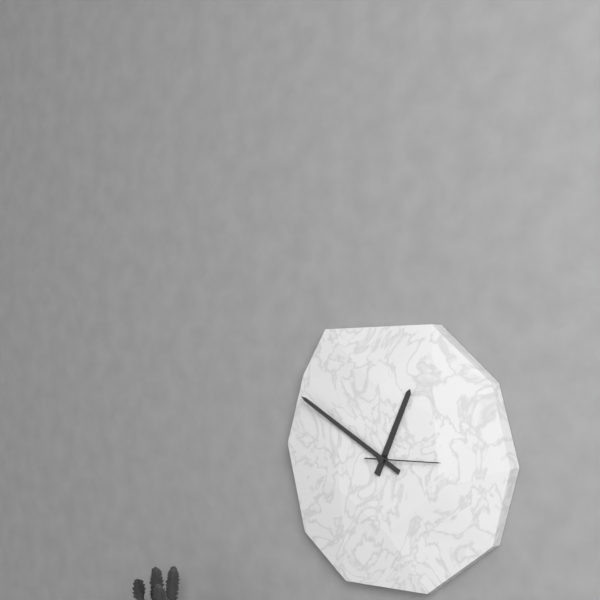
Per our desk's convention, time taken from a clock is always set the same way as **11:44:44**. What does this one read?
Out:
**12:50:15**
